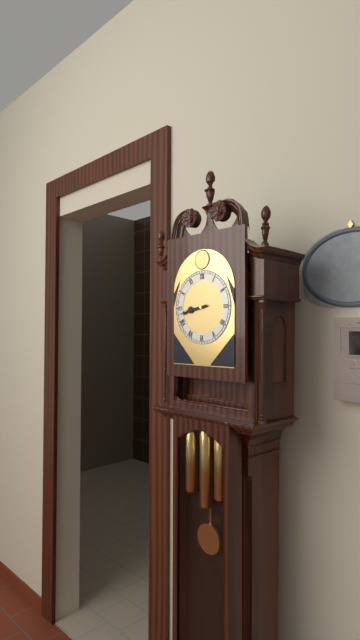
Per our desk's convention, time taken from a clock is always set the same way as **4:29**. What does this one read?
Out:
**8:43**
